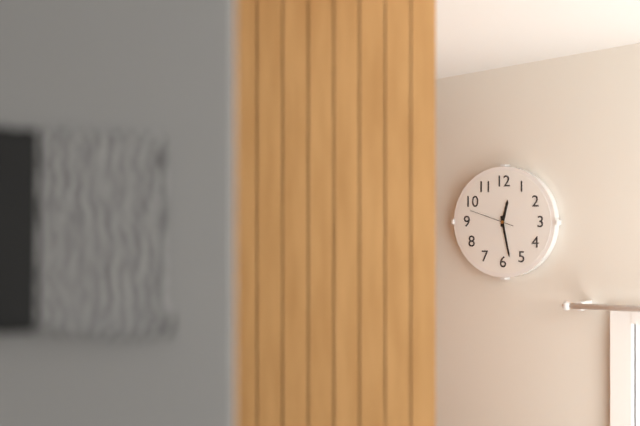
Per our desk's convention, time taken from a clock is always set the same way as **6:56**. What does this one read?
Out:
**12:28**
